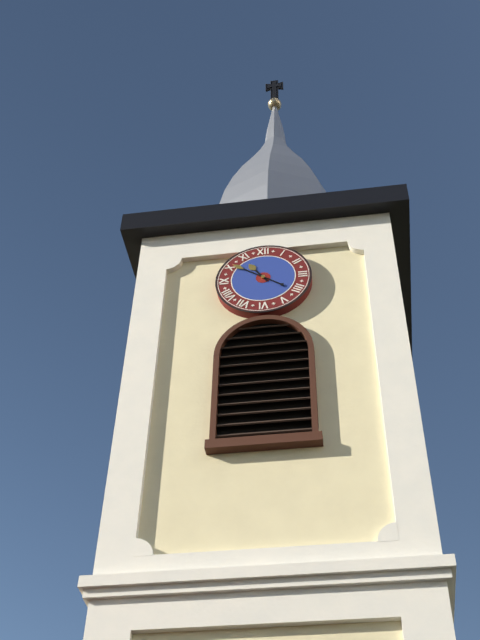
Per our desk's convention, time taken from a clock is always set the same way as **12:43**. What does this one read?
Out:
**10:51**
